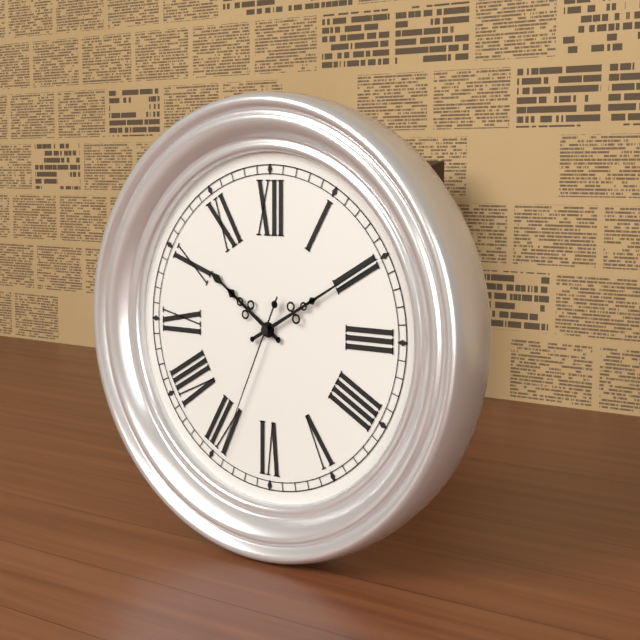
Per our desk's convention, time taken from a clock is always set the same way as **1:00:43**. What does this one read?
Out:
**10:10:34**
